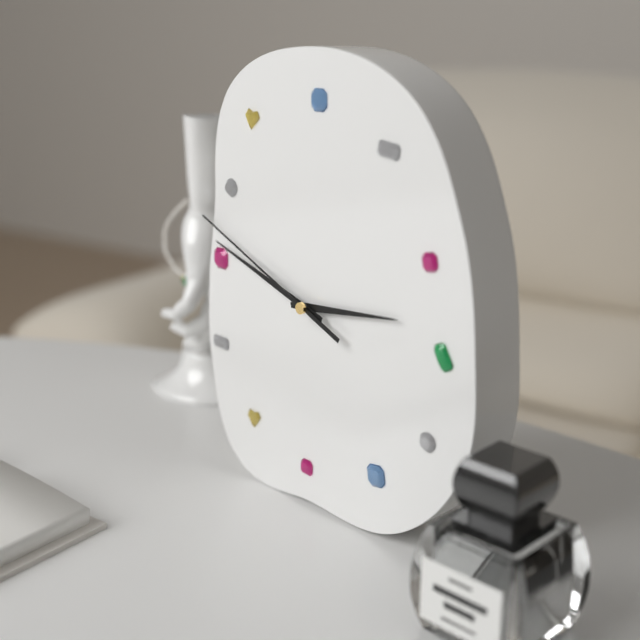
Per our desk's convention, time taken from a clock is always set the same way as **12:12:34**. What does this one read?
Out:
**2:48:49**
